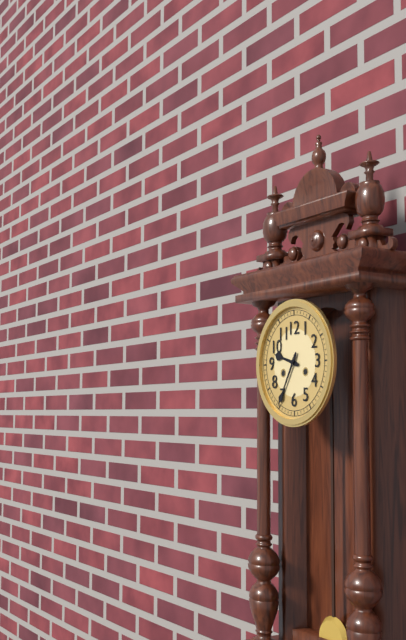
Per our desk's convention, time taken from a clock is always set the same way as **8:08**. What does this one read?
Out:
**9:35**
